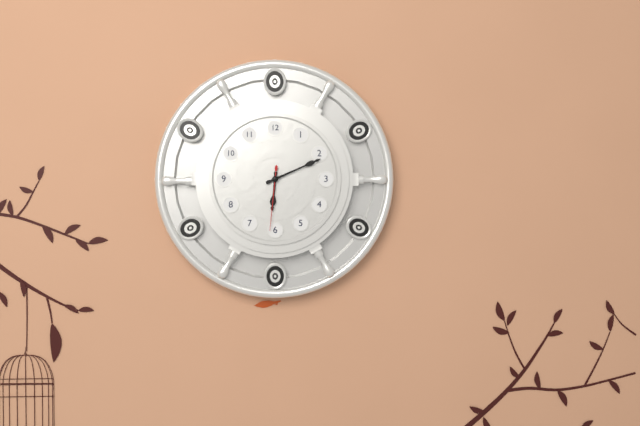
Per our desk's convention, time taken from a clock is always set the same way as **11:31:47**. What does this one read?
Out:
**6:11:31**
